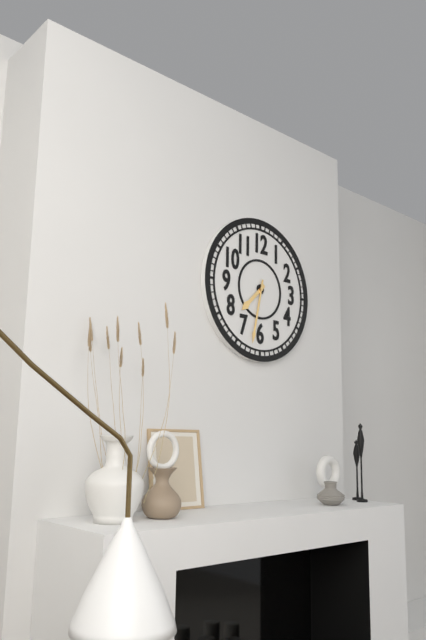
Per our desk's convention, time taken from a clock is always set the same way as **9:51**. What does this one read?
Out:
**7:32**
